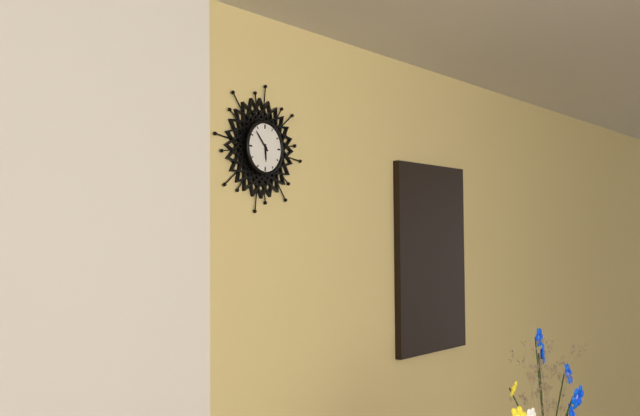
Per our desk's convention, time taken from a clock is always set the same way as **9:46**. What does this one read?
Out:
**5:53**
